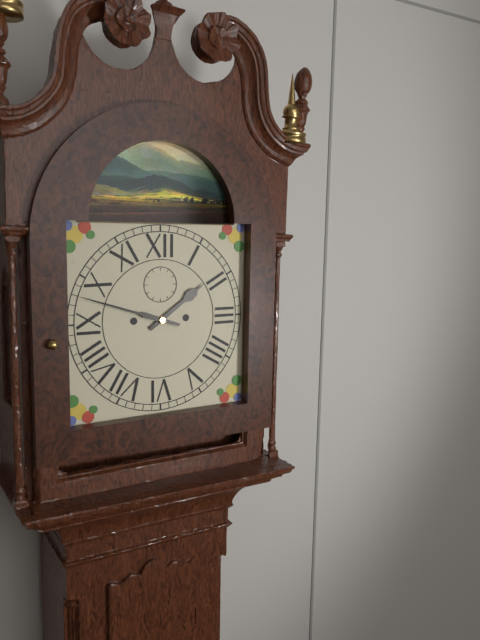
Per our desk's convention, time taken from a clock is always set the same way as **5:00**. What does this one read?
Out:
**1:48**
